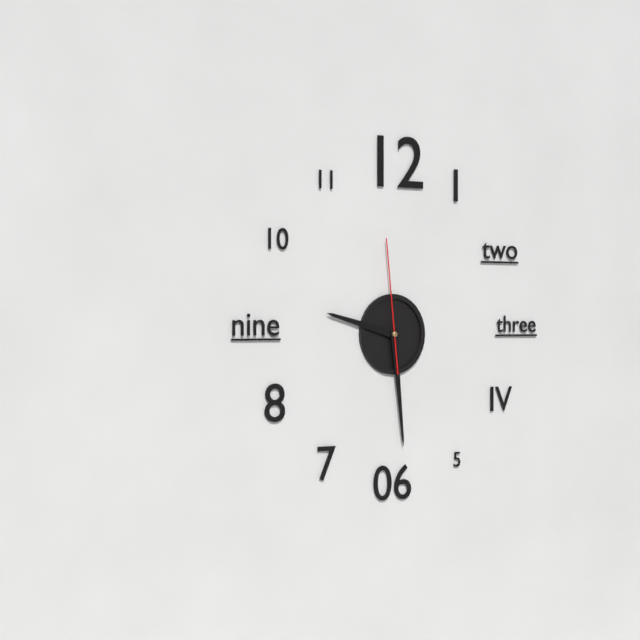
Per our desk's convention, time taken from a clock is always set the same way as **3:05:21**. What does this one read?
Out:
**9:29:59**
